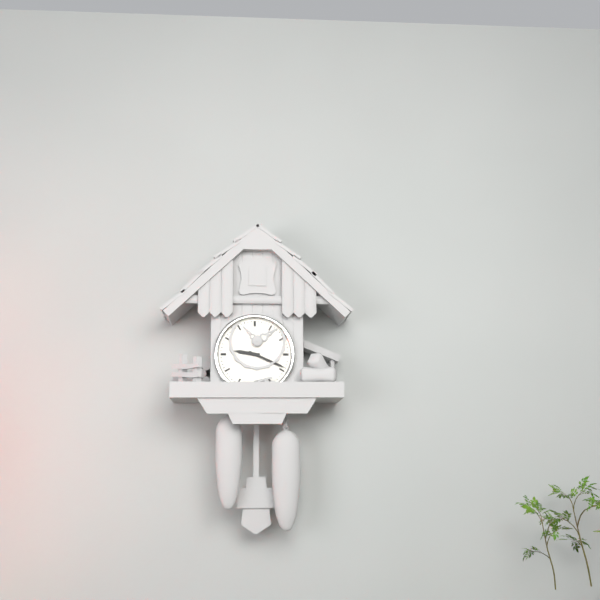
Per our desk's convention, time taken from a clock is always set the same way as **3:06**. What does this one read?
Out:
**9:19**
